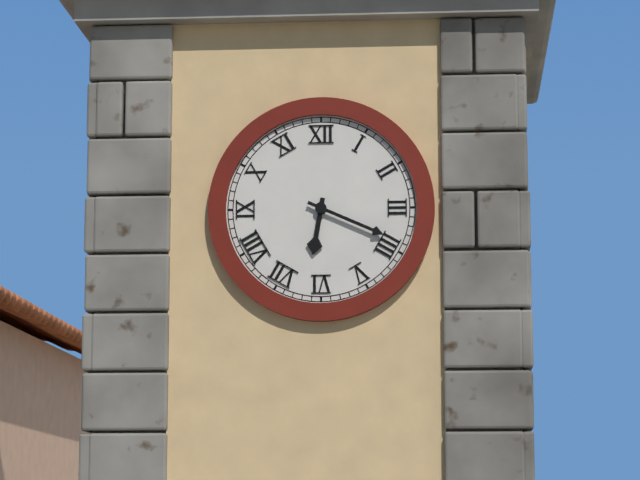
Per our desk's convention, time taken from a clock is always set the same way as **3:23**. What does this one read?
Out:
**6:19**
